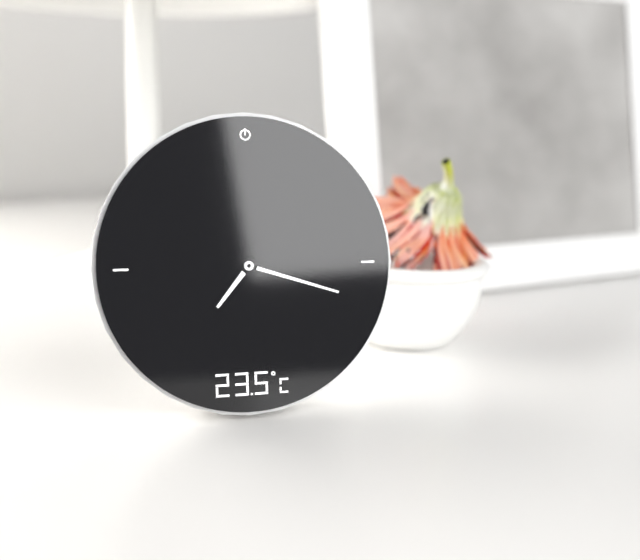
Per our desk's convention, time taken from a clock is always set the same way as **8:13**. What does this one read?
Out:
**7:18**
